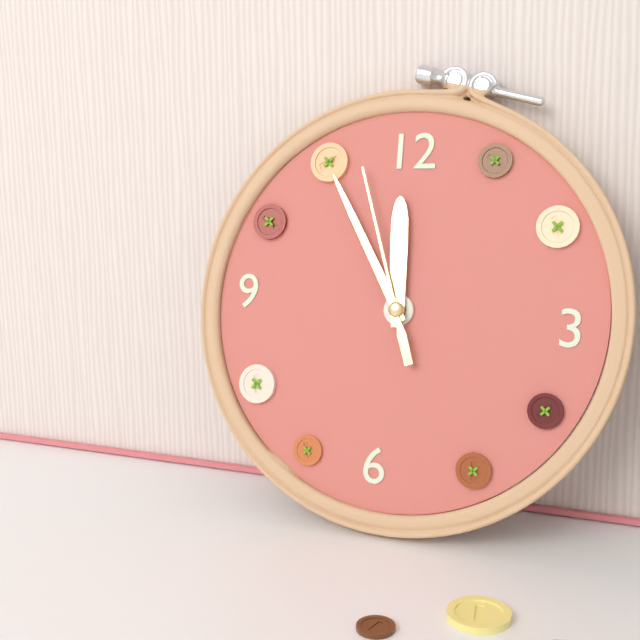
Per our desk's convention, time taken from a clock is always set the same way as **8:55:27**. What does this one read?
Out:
**11:55:57**
